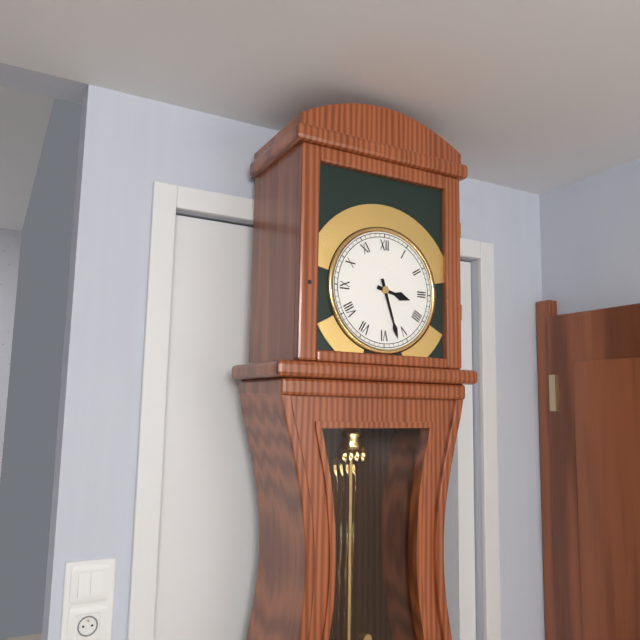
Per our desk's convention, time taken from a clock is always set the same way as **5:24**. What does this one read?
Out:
**3:27**
